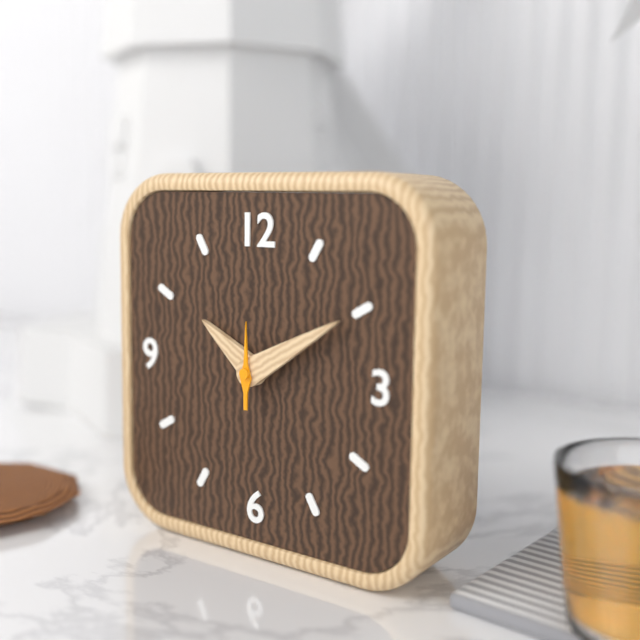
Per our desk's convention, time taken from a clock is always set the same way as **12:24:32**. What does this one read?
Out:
**10:10:00**
